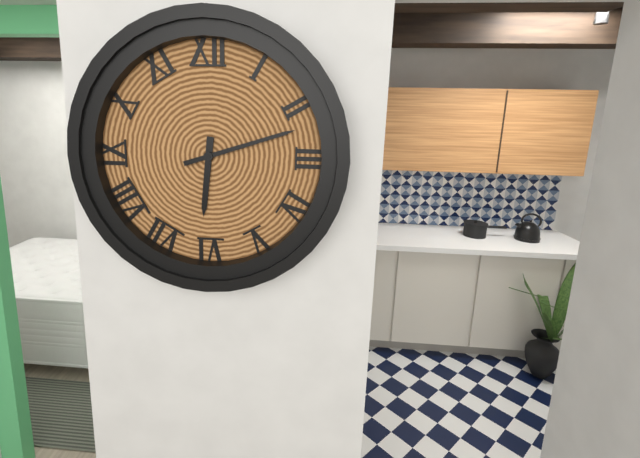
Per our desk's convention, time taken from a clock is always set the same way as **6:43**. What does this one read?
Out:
**6:12**
